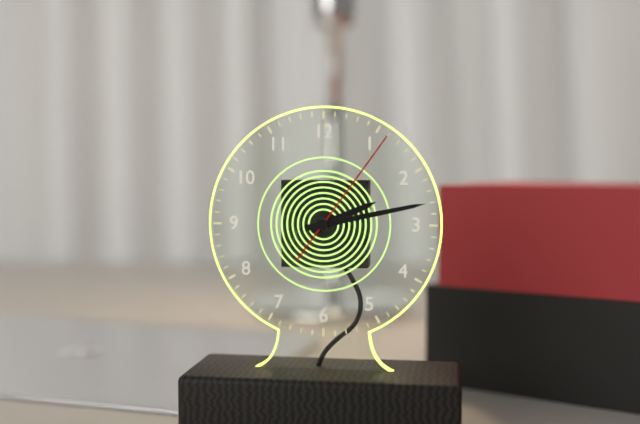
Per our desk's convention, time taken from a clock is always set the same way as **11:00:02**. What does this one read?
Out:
**2:13:06**
